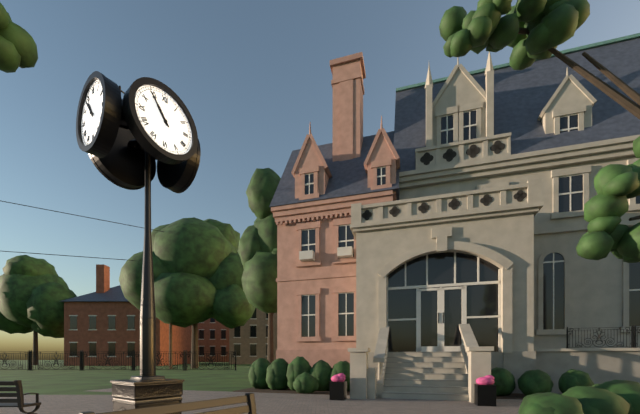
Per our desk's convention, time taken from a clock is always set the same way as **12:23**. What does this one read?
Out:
**10:54**
